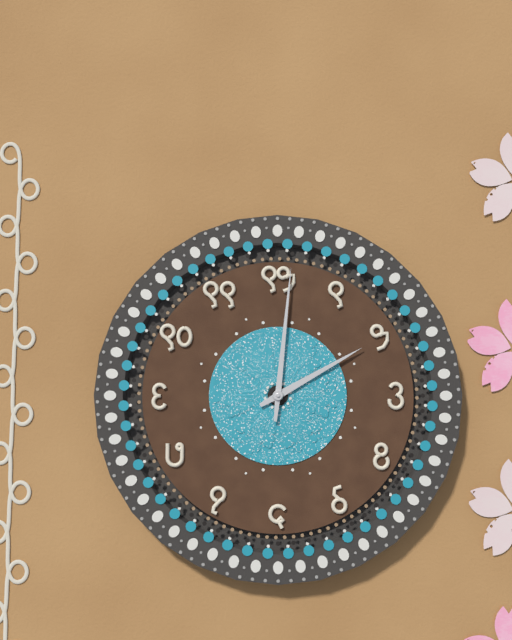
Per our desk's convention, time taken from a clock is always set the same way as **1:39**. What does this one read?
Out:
**2:01**
